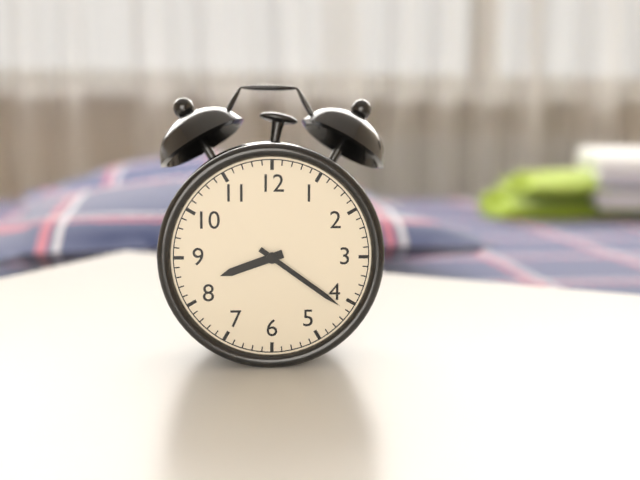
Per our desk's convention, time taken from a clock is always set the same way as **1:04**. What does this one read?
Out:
**8:21**
